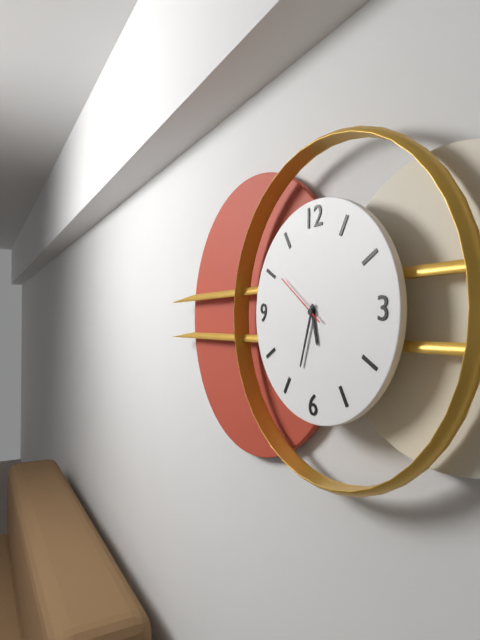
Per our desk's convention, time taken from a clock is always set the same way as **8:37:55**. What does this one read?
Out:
**5:33:51**
